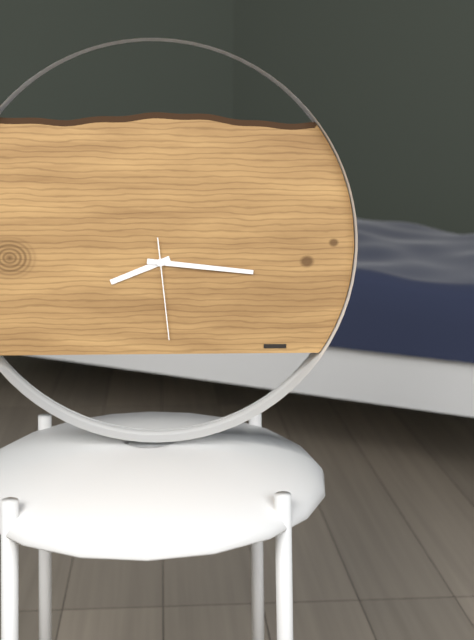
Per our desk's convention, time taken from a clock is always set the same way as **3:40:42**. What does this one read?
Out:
**8:16:29**
